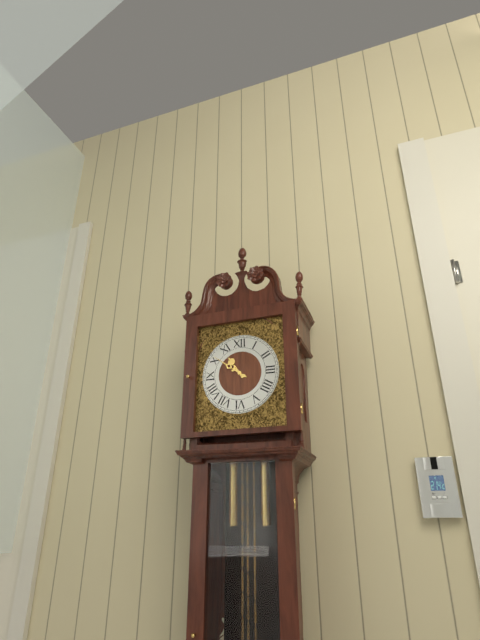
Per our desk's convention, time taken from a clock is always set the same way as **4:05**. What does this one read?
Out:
**10:51**
